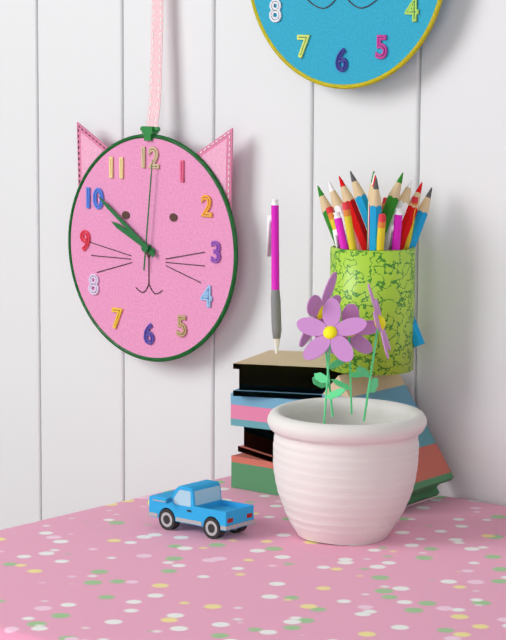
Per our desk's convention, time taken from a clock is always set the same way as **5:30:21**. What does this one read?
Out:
**9:51:01**
